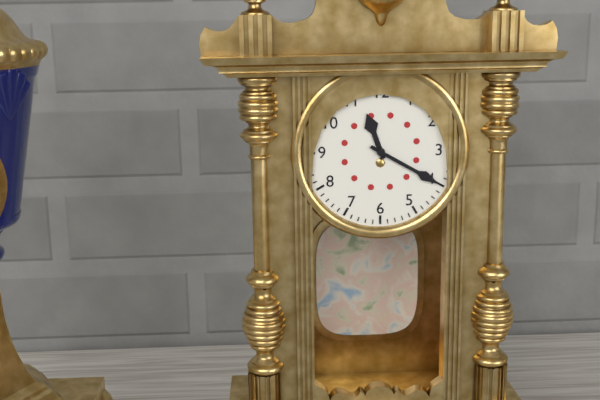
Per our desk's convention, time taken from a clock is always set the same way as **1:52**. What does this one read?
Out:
**11:20**
